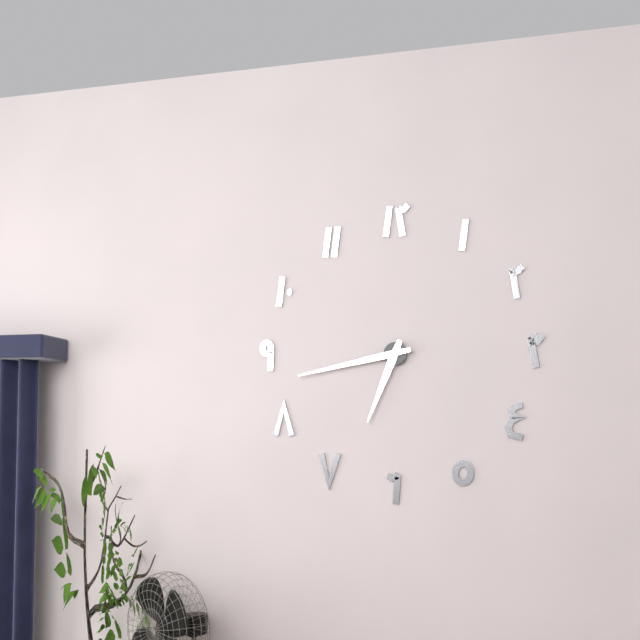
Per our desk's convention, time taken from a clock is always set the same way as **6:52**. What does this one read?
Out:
**6:43**
